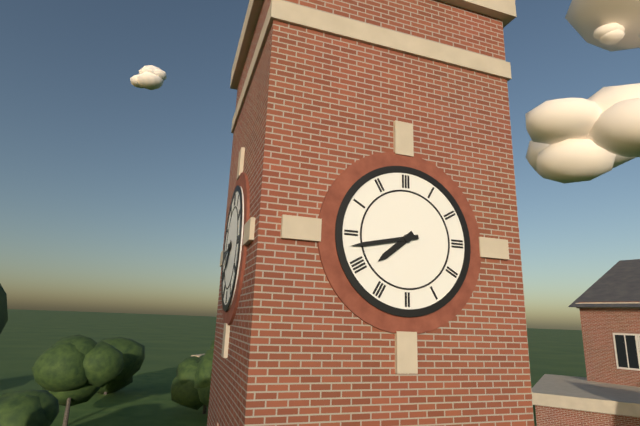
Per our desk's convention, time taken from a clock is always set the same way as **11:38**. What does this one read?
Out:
**7:43**
